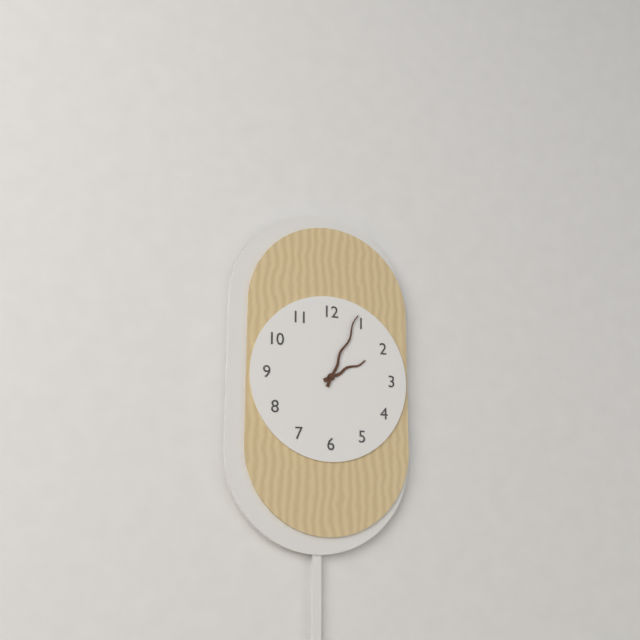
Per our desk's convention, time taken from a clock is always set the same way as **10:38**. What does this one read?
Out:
**2:04**
